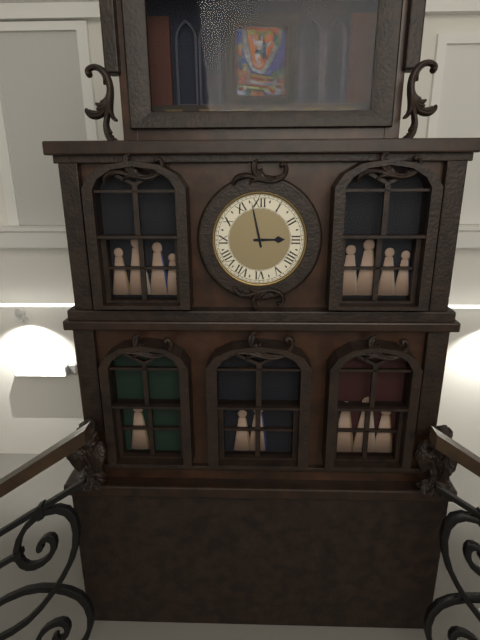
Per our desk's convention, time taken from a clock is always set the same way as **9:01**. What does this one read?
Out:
**2:58**
